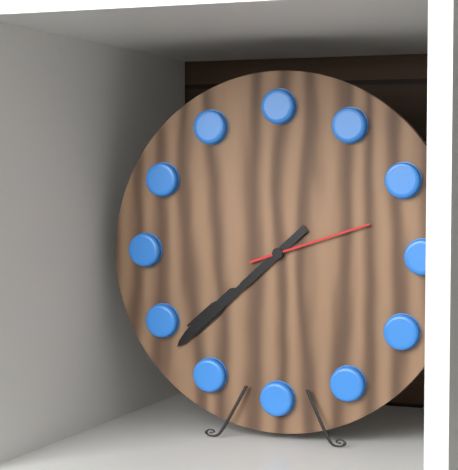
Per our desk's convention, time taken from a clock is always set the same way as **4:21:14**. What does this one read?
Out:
**7:38:12**
